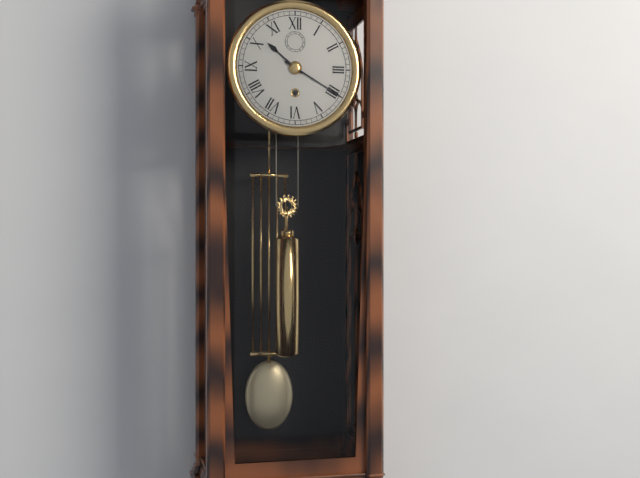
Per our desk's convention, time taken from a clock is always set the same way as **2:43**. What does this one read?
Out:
**10:20**
